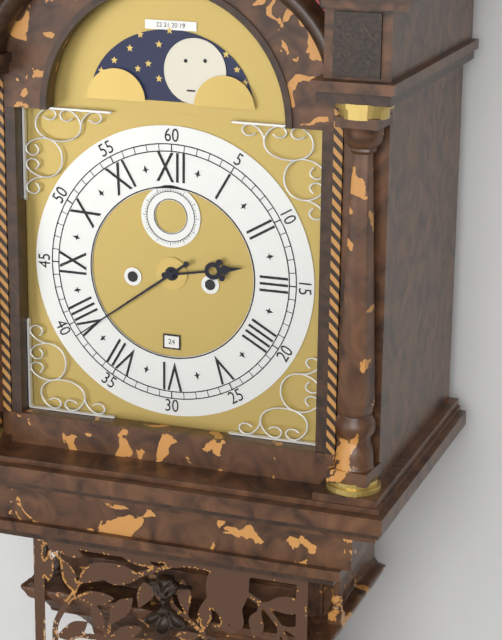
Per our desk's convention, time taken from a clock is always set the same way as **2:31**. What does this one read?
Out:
**2:39**
